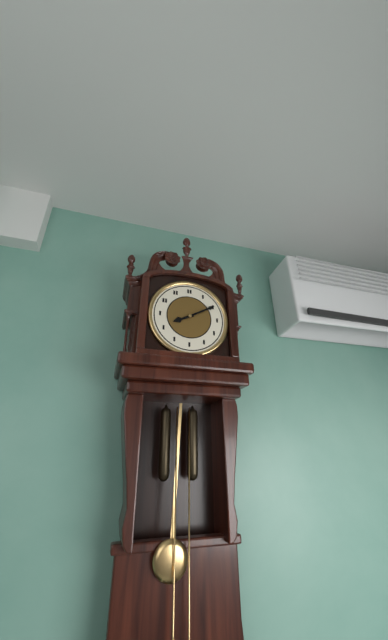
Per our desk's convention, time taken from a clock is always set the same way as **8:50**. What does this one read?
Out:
**8:10**
